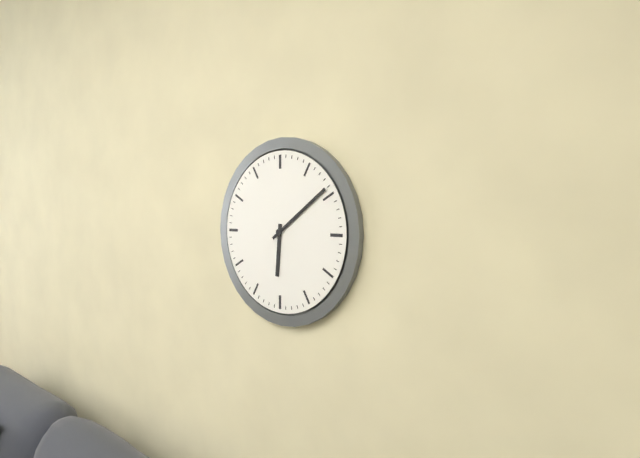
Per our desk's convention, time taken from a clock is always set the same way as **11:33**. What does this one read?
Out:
**6:09**
